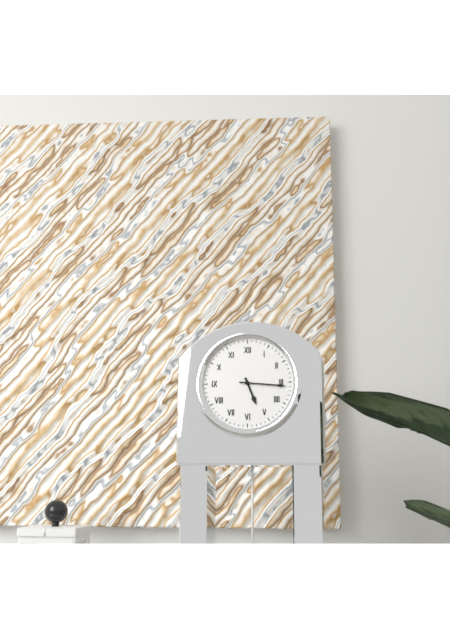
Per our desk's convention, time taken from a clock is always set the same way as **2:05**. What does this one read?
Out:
**5:16**
